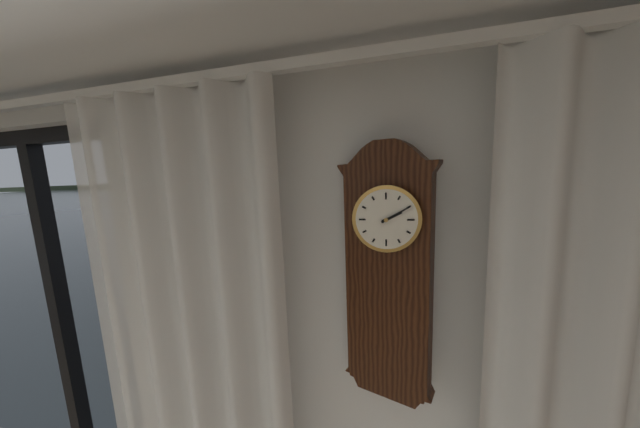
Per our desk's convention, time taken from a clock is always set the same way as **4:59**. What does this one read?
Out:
**2:10**
